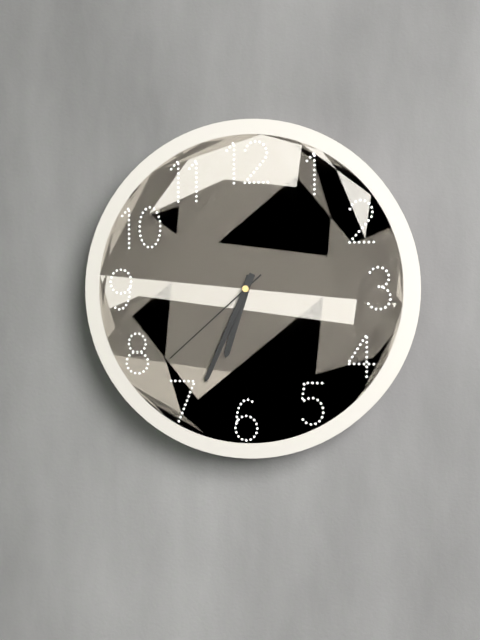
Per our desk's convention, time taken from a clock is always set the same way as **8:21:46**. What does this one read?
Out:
**6:34:38**
